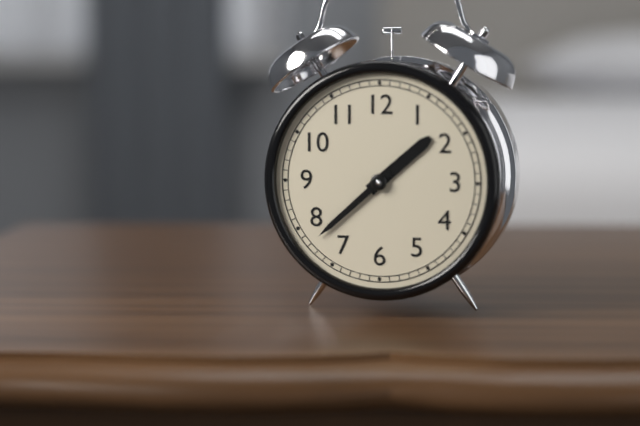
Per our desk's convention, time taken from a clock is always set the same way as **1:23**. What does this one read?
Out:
**1:38**
